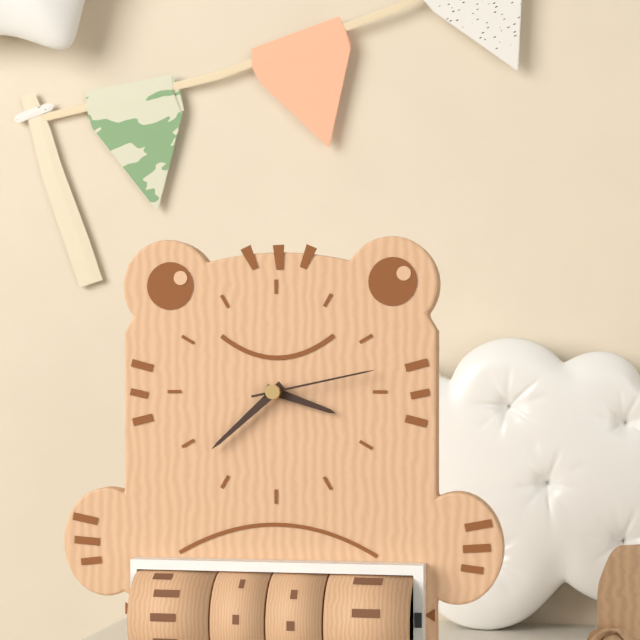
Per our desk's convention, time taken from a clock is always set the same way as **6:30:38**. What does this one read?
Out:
**3:38:13**
